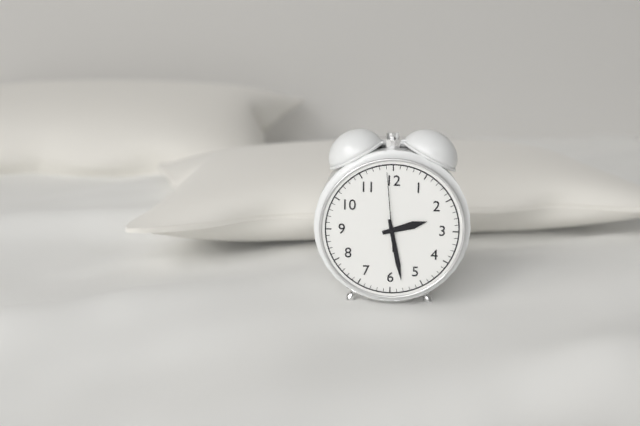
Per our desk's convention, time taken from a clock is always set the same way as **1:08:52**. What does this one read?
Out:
**2:28:59**
